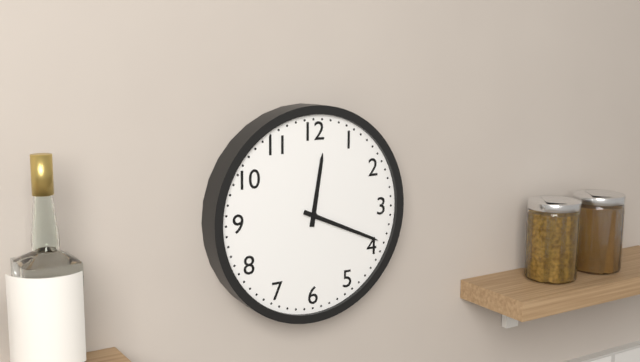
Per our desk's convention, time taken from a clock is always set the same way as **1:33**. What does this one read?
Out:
**12:19**
